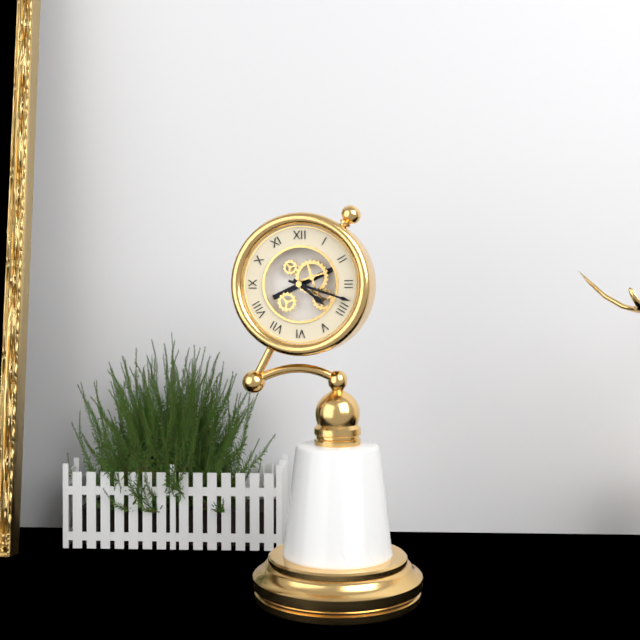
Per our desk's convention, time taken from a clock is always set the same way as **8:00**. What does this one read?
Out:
**4:18**
